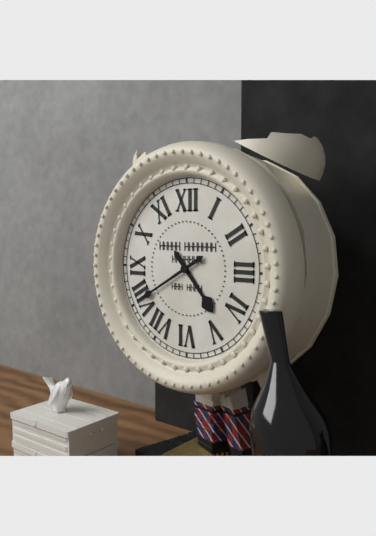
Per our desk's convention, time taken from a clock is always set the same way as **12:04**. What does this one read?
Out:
**4:40**
